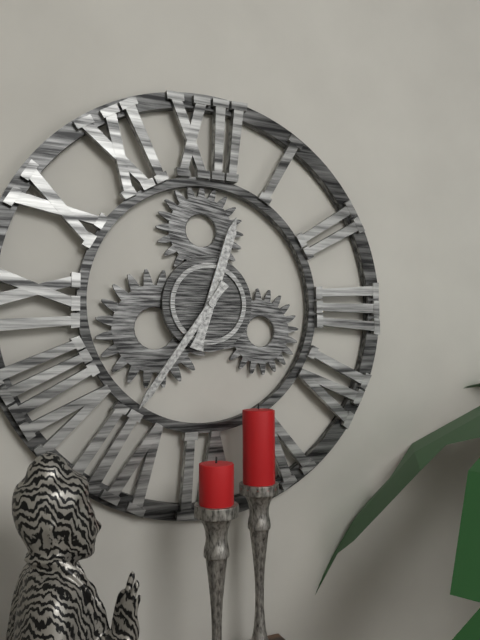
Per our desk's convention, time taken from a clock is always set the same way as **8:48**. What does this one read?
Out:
**12:36**
